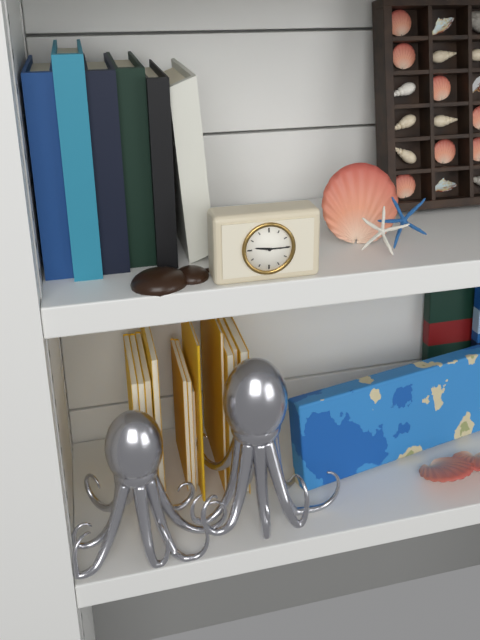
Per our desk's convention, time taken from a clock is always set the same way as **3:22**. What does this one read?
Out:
**9:15**
